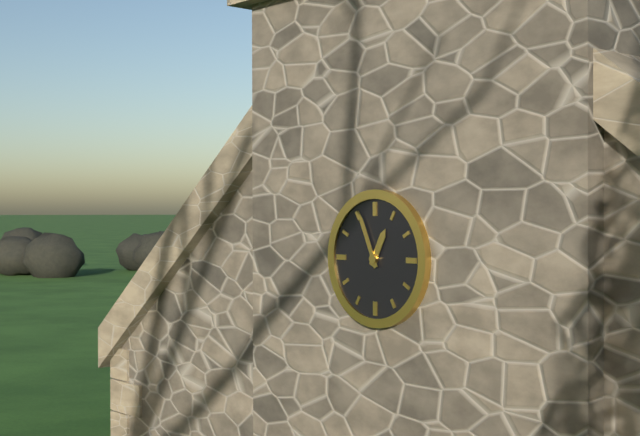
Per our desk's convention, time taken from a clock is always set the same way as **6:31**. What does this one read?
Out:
**12:56**
